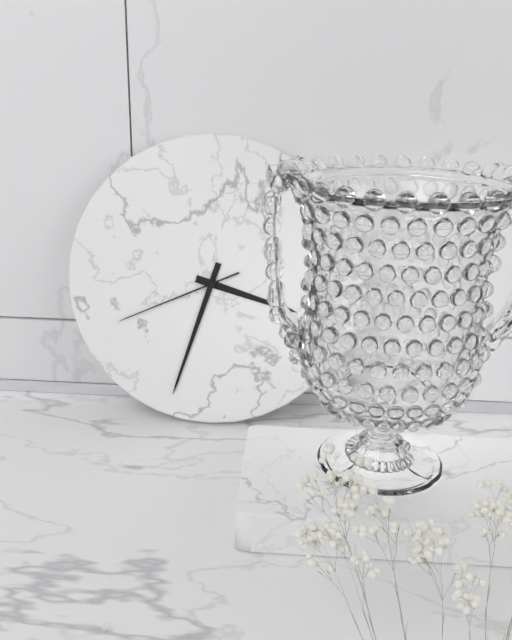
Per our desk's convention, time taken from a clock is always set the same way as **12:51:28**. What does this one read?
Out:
**3:33:41**
